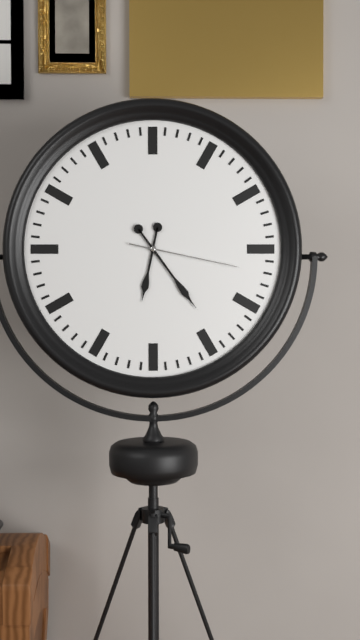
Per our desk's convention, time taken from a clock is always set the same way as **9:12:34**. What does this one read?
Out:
**6:24:17**
